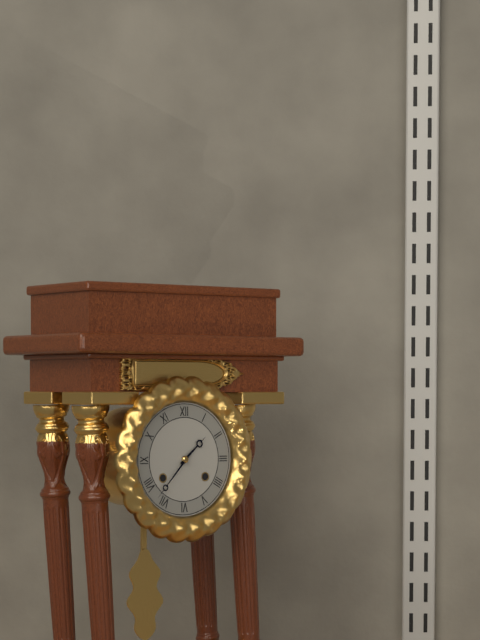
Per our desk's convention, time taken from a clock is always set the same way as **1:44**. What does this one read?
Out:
**1:37**
